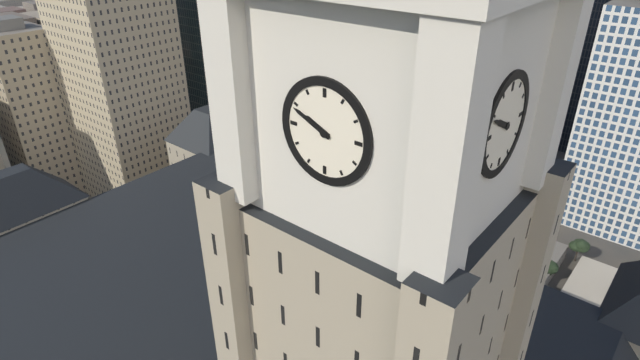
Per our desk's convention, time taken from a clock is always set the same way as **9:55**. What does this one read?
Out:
**9:49**
